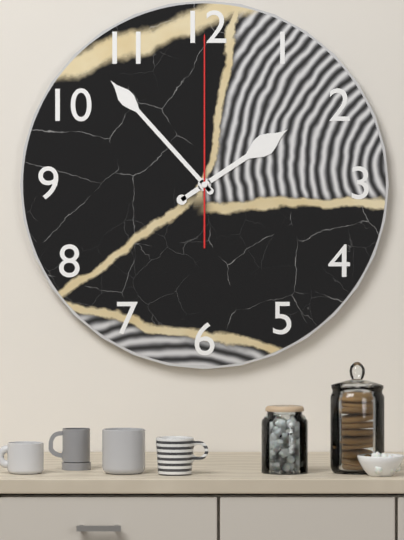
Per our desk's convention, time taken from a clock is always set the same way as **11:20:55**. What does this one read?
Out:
**1:53:00**
